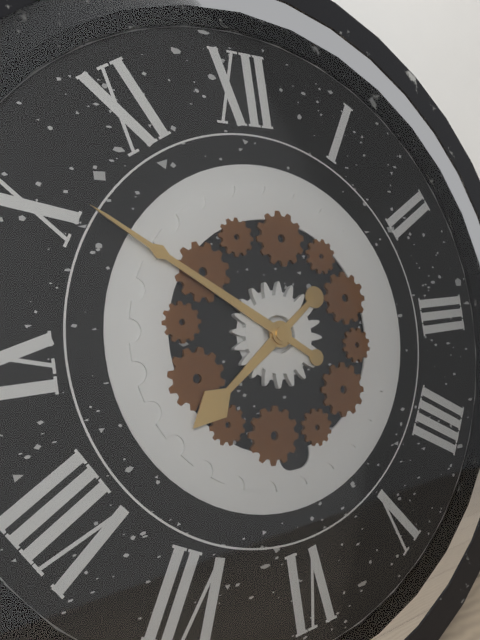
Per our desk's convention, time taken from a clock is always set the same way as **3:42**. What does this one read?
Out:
**7:51**
